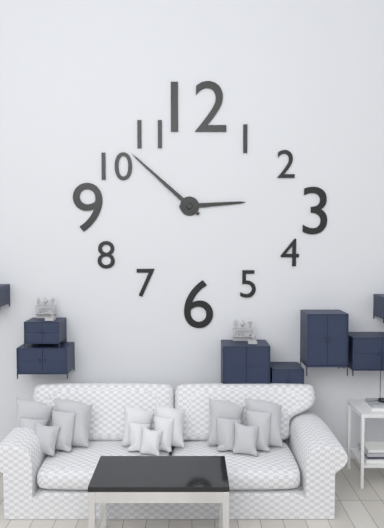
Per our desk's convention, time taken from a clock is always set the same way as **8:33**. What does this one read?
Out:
**2:52**
